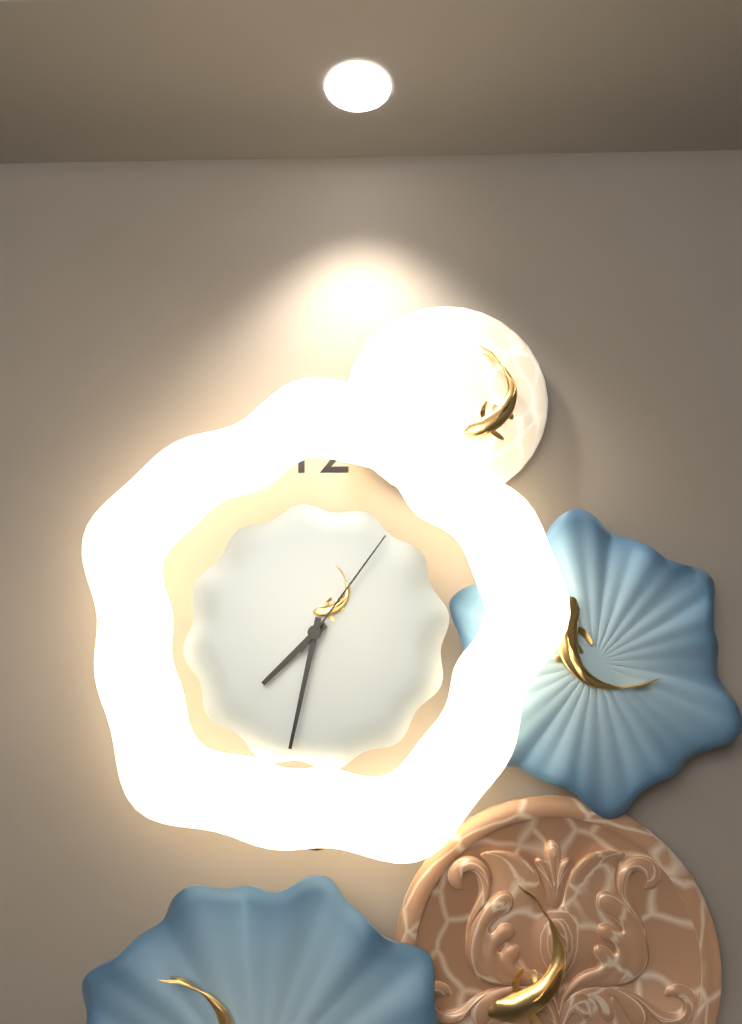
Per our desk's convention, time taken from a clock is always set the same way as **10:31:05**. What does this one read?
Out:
**7:32:06**
